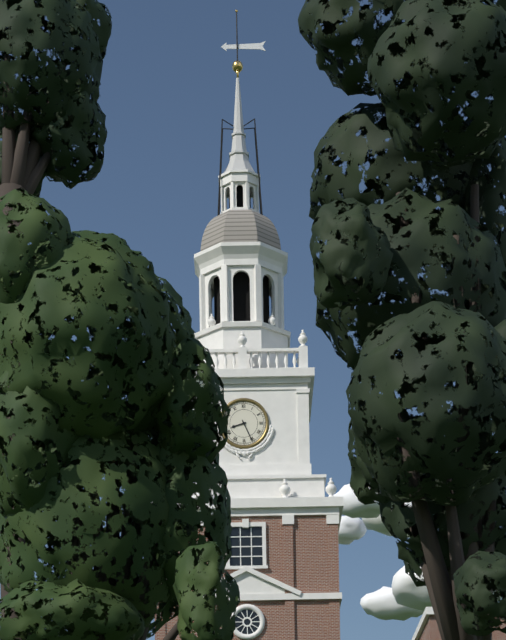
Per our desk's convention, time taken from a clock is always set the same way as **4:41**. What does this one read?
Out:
**8:26**
